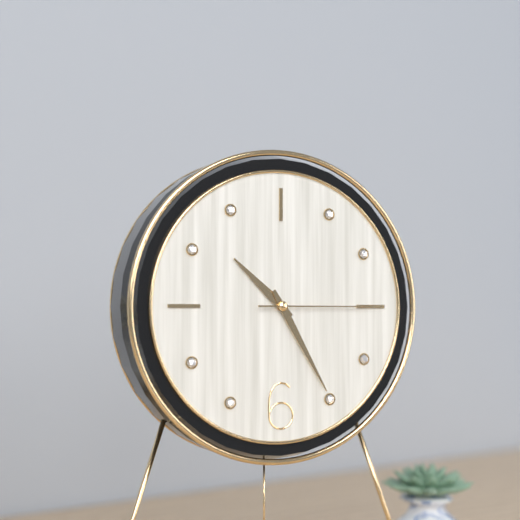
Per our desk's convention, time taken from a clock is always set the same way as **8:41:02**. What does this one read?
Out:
**10:25:15**
